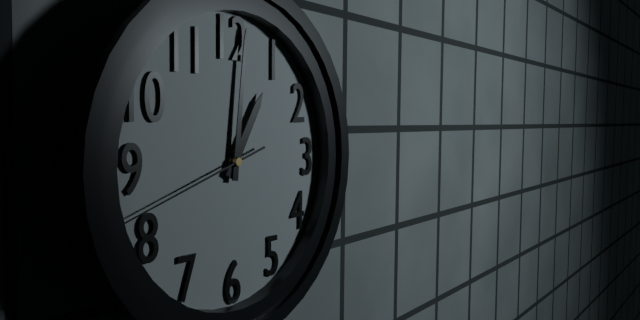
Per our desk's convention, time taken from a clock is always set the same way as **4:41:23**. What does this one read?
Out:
**1:01:42**
